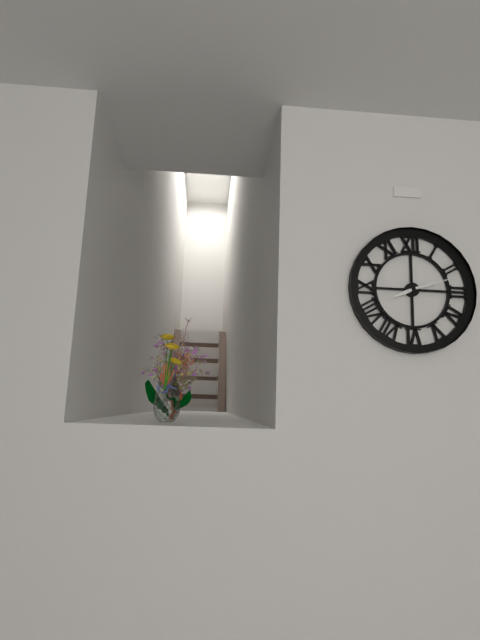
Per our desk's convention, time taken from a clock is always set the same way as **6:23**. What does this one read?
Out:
**8:12**
